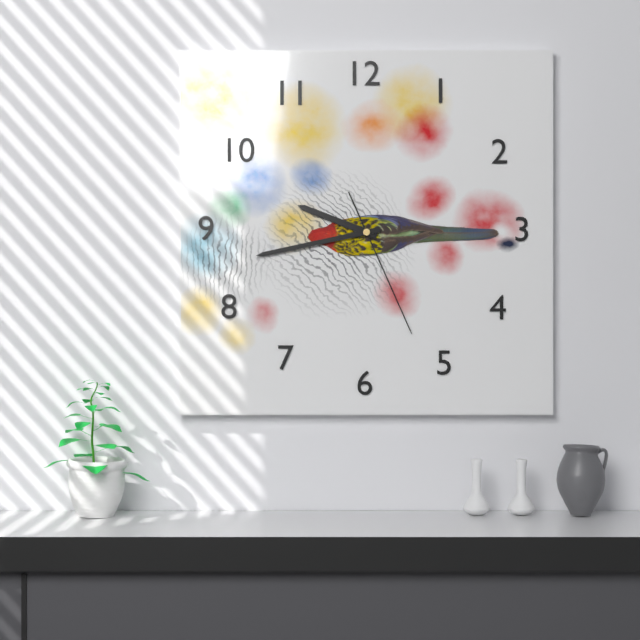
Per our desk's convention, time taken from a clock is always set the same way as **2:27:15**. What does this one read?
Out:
**9:43:26**
